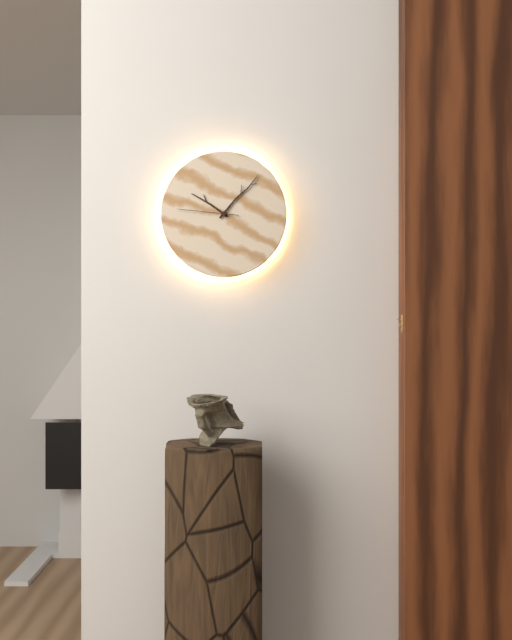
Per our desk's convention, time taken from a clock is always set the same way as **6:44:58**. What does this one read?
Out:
**10:07:46**
